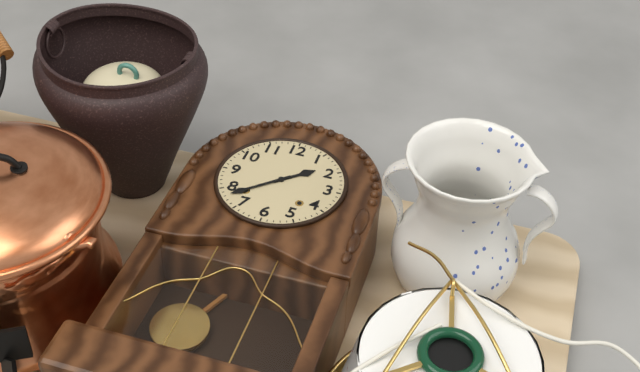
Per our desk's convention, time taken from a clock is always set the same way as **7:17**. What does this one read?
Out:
**1:38**
